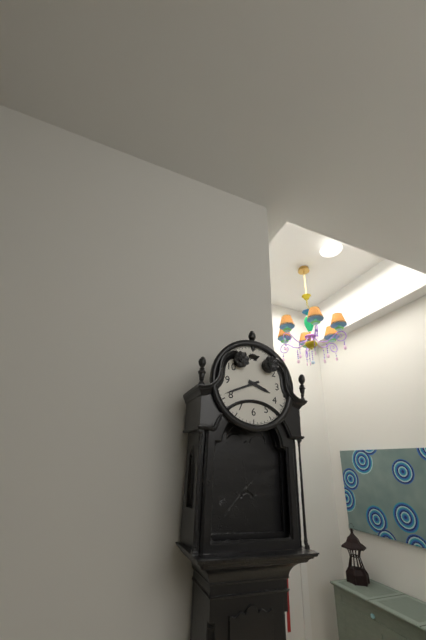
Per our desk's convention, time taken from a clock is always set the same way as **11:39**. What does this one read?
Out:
**3:41**
